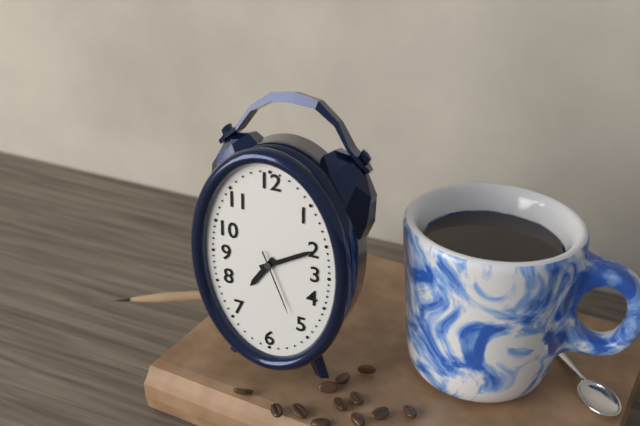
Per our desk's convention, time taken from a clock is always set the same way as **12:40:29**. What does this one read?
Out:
**7:10:26**
